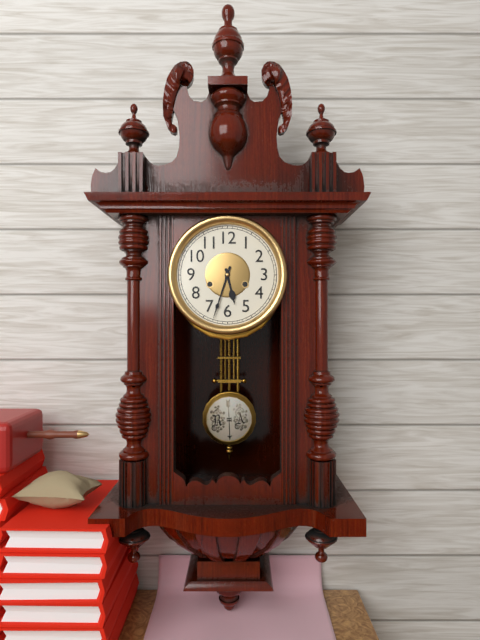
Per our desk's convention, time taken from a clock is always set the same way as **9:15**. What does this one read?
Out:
**5:33**
